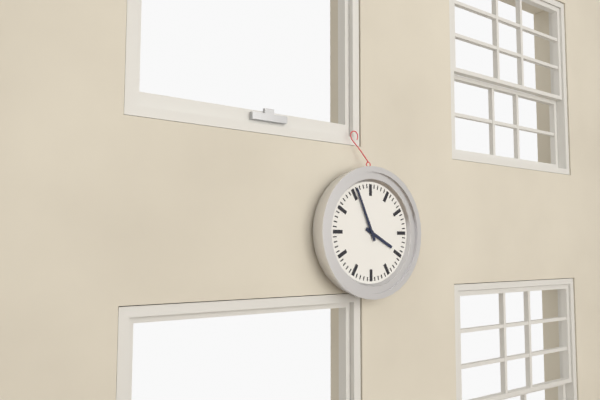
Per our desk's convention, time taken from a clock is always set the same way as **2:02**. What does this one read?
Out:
**3:56**
